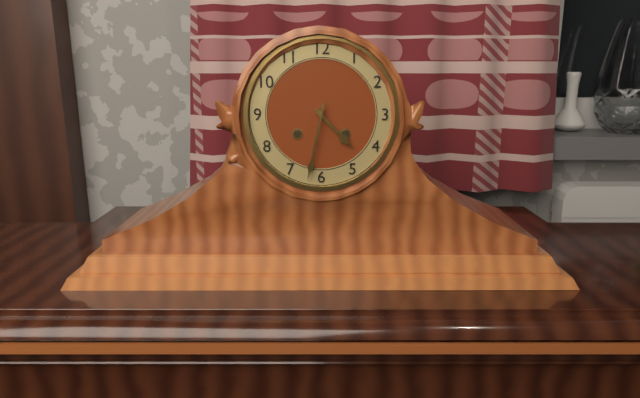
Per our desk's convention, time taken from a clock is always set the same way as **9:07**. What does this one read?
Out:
**4:32**
